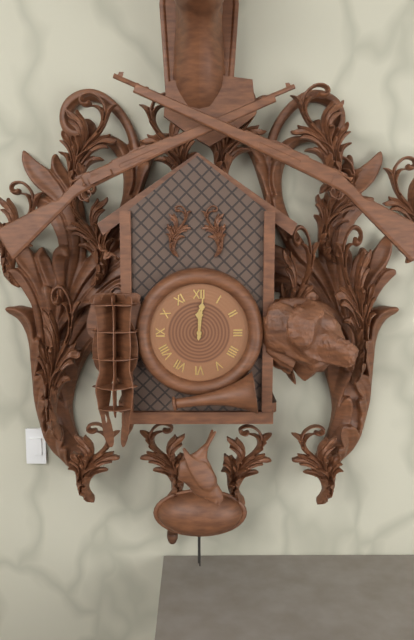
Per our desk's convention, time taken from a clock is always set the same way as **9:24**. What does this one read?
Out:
**12:01**
